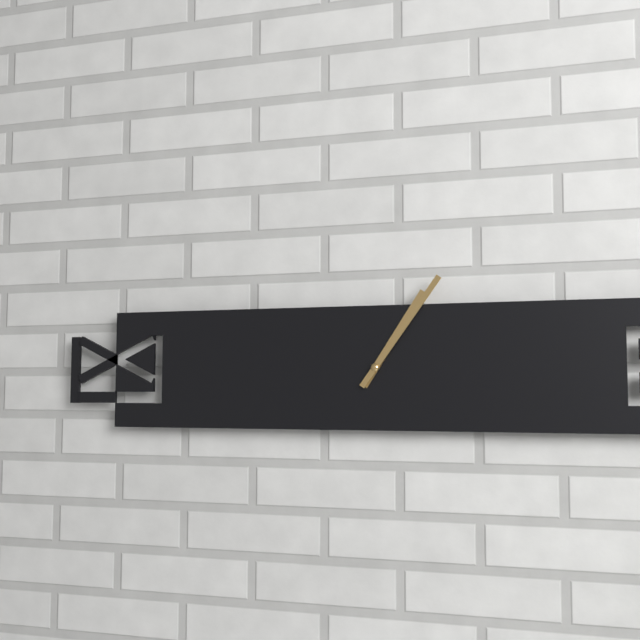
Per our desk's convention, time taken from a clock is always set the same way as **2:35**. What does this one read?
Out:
**1:06**
